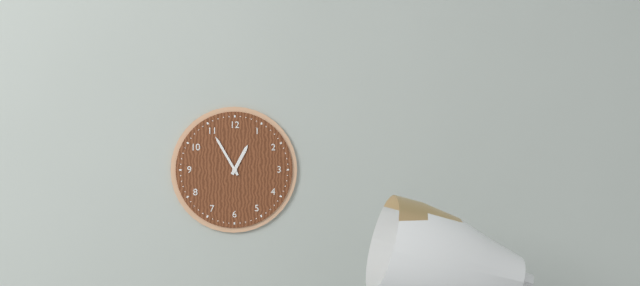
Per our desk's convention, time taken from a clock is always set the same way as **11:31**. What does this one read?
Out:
**12:55**
